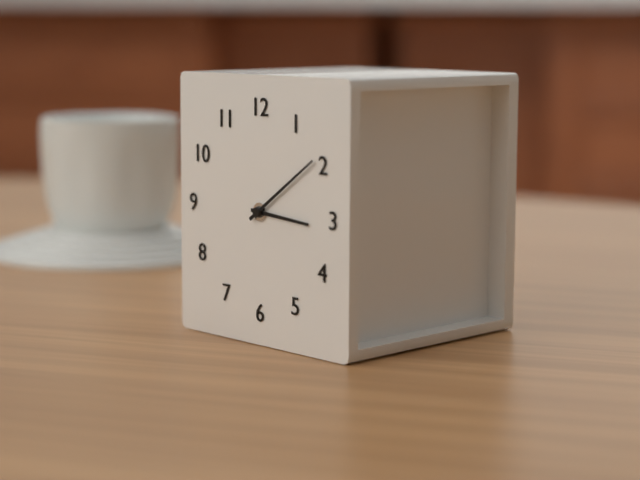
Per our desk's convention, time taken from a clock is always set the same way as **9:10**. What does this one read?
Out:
**3:09**
